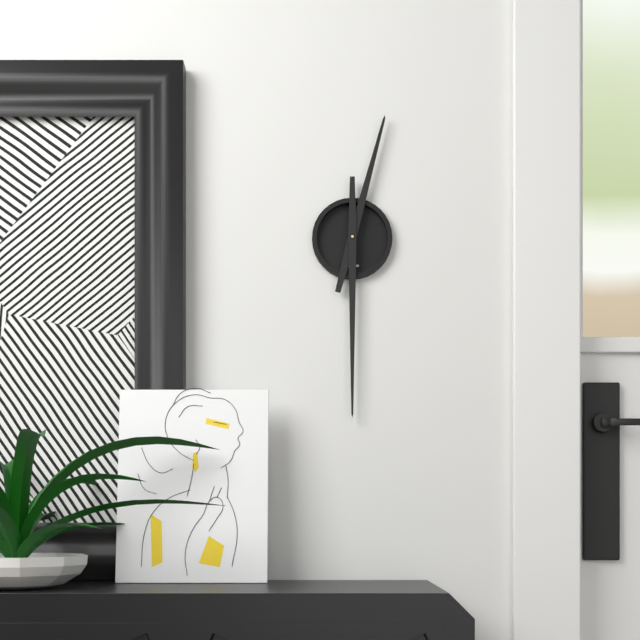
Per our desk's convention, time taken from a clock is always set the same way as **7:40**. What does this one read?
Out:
**12:30**
